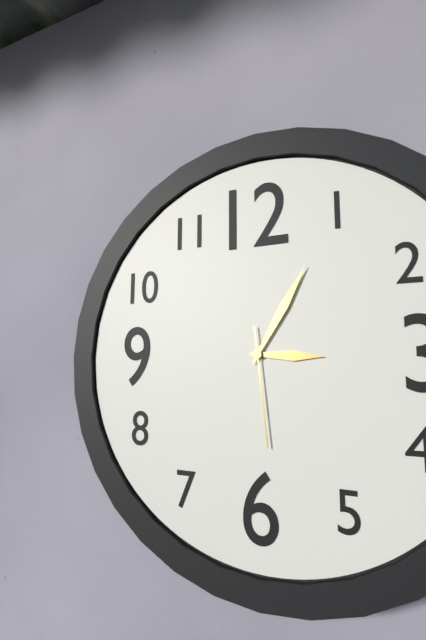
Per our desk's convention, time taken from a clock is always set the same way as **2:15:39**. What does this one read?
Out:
**3:05:29**
